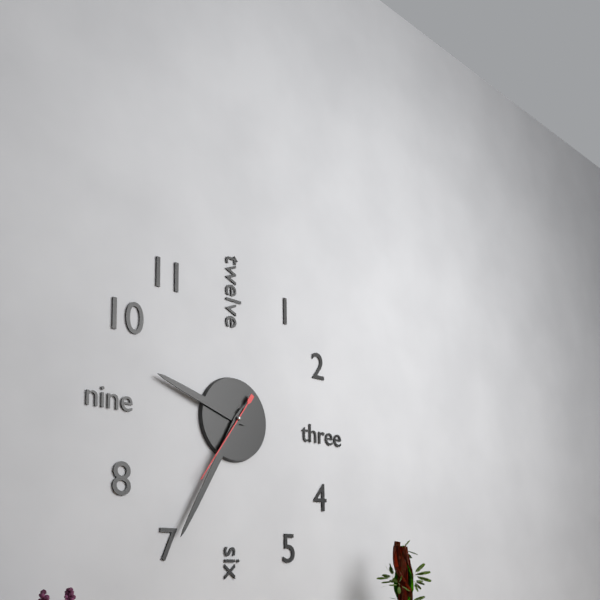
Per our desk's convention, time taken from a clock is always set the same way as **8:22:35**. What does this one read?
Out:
**9:35:36**
